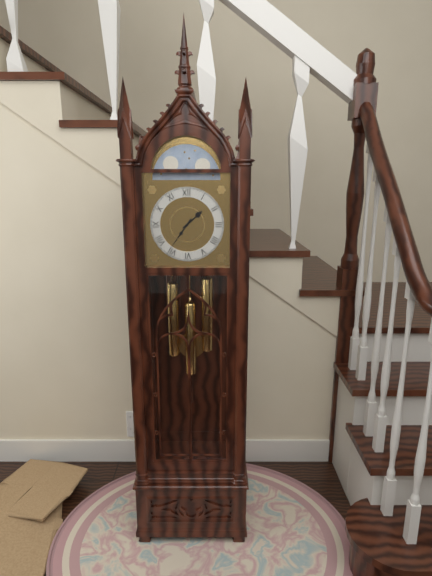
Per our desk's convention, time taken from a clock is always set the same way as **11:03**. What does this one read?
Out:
**1:36**
